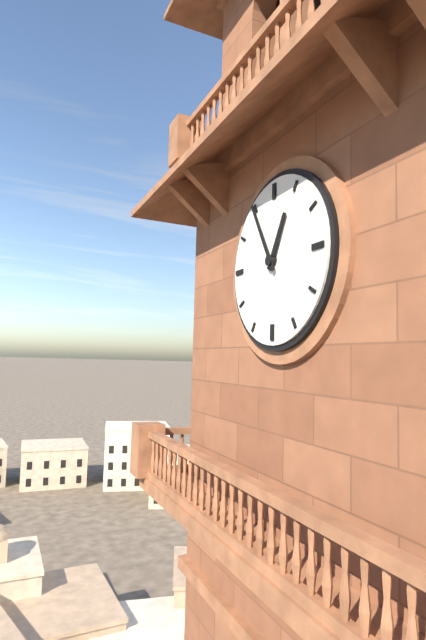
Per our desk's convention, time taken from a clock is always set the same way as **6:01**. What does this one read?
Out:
**12:55**
